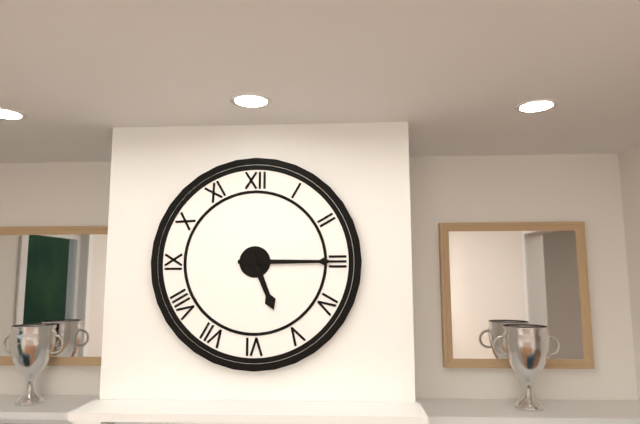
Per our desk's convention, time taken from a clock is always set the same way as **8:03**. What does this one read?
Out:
**5:15**
